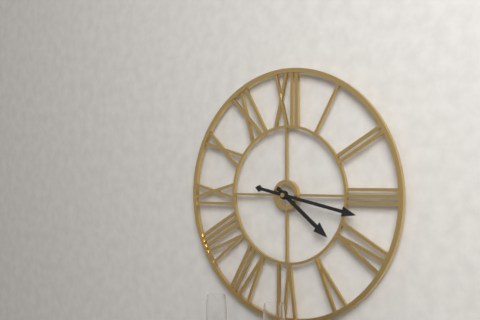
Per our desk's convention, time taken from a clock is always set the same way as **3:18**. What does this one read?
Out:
**4:17**
